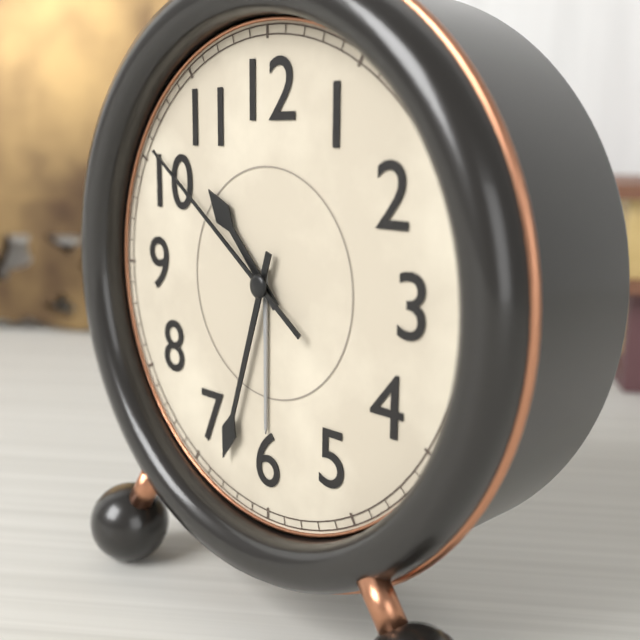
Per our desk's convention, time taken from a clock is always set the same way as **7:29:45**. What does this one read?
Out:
**10:33:51**
